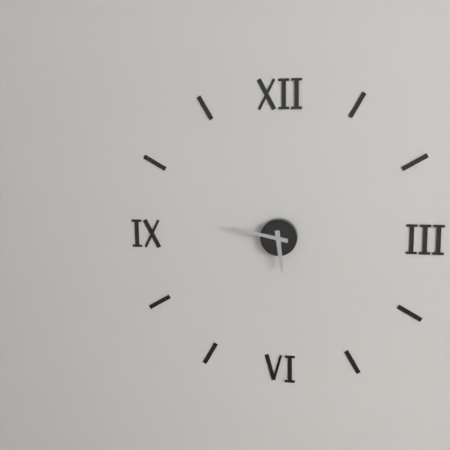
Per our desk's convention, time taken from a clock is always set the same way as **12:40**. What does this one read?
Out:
**5:47**
